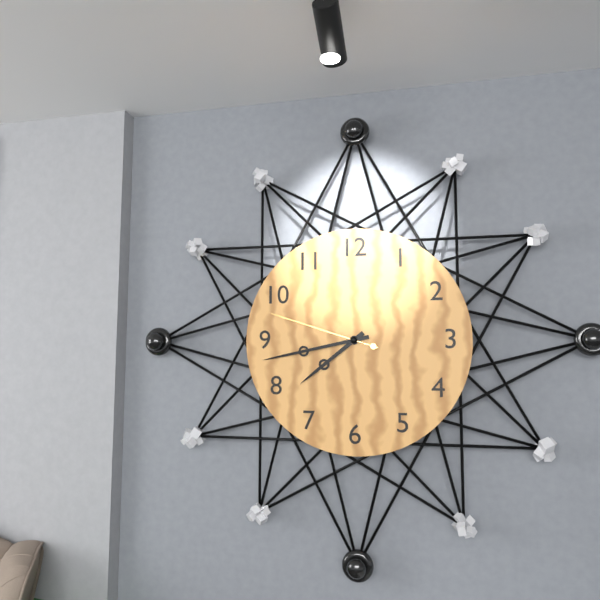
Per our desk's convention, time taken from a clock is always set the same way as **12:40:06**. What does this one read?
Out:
**7:43:48**
